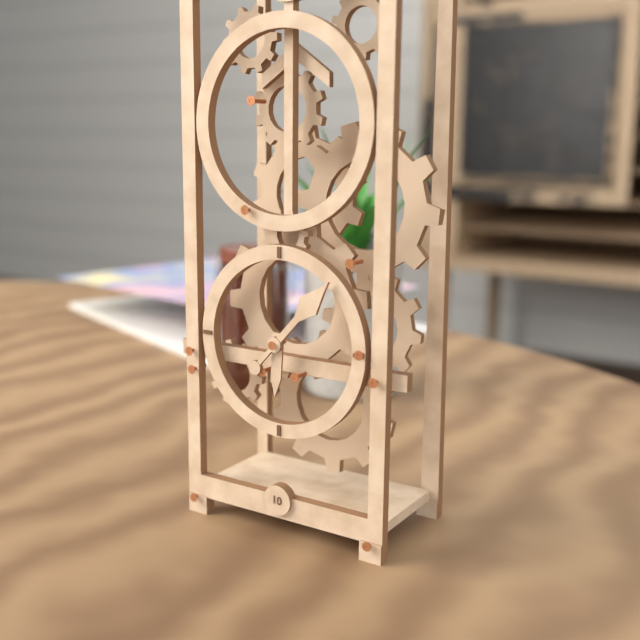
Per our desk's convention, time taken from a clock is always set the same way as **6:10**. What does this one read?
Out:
**6:07**
